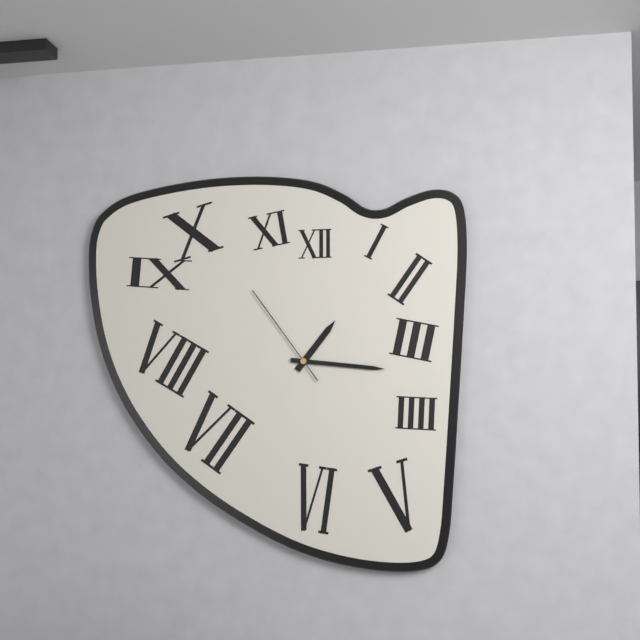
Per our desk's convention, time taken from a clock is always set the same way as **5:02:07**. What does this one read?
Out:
**1:16:54**
